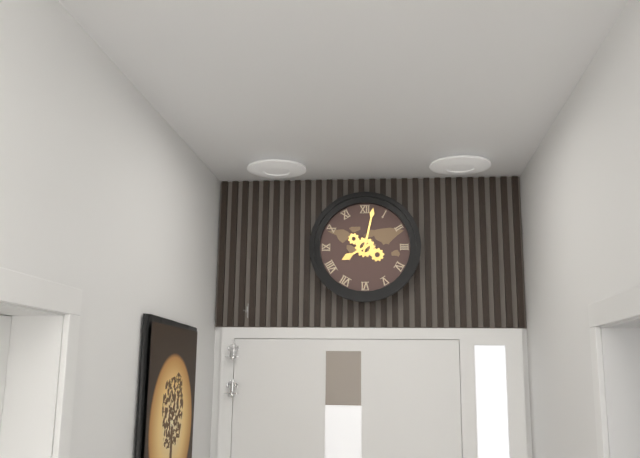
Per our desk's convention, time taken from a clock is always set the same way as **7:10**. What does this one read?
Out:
**8:02**
